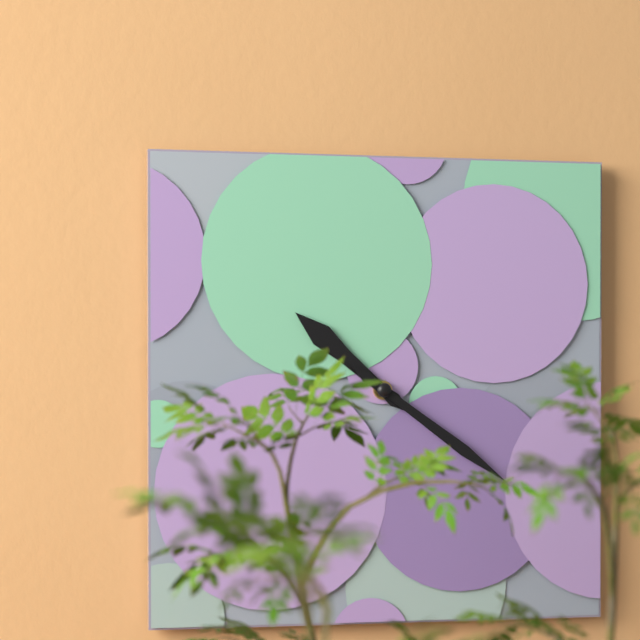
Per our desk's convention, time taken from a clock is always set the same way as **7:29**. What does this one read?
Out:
**10:21**
